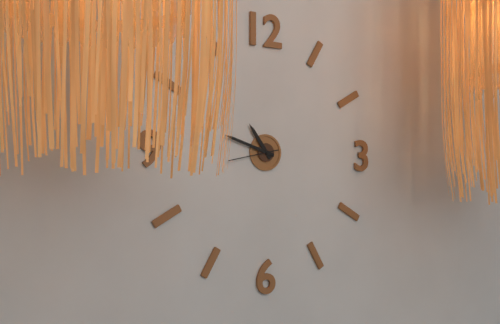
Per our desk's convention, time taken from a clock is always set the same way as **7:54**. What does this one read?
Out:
**10:48**
